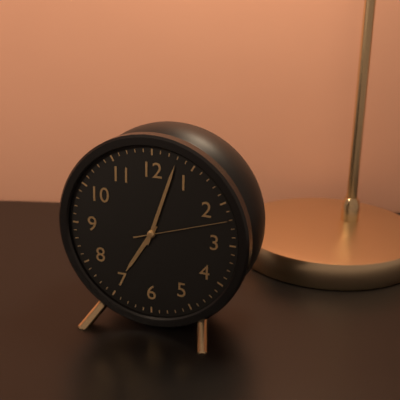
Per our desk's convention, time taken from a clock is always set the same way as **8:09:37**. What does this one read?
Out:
**7:03:12**
